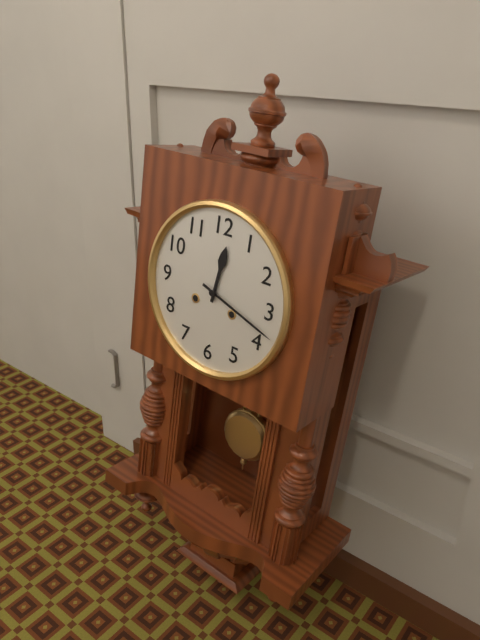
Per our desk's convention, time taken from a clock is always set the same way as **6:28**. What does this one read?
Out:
**12:18**
